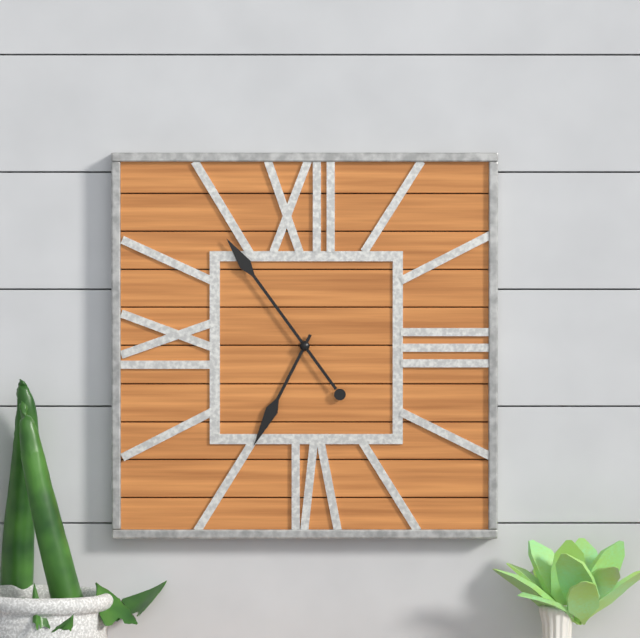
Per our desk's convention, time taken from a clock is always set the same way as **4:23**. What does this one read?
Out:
**6:54**
